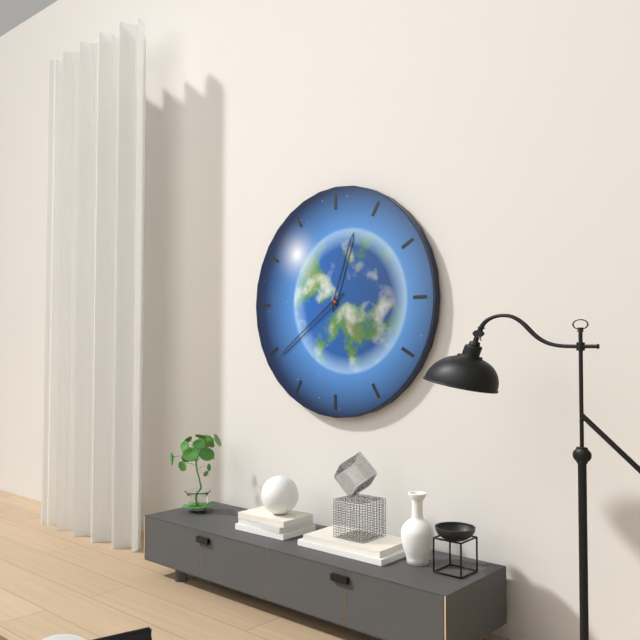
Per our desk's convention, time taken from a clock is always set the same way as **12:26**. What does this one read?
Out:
**12:39**
